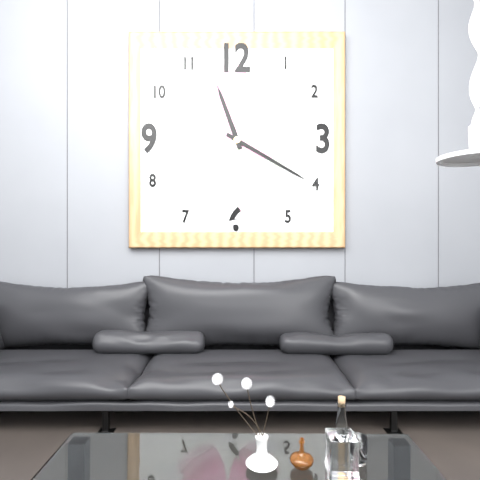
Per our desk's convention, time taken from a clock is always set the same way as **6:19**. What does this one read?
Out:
**11:20**
